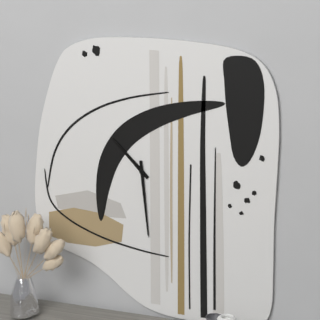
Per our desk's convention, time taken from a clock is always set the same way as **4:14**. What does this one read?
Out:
**10:29**
